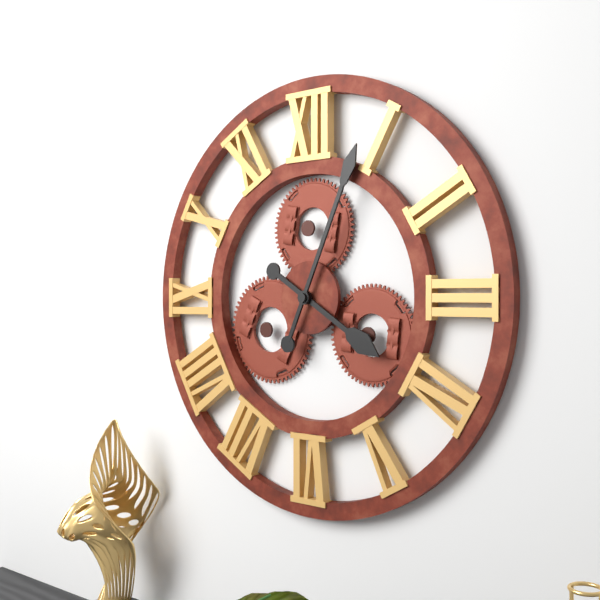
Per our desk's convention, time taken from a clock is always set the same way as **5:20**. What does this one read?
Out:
**4:04**
